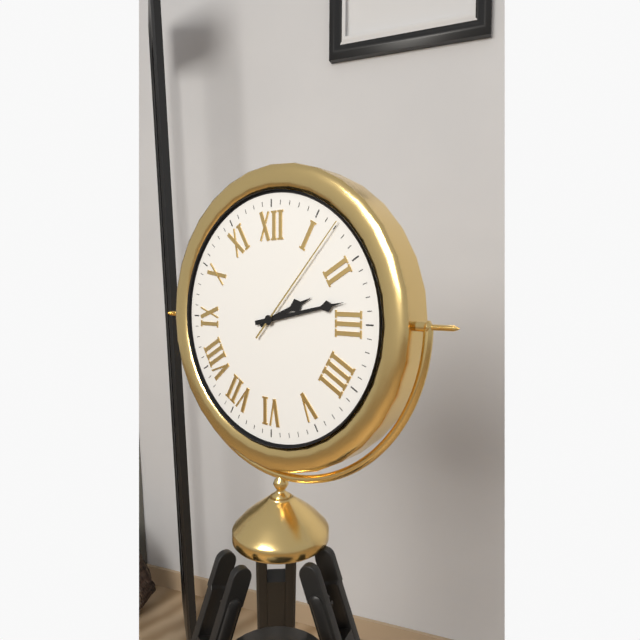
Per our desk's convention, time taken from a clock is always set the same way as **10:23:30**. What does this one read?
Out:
**2:13:07**
